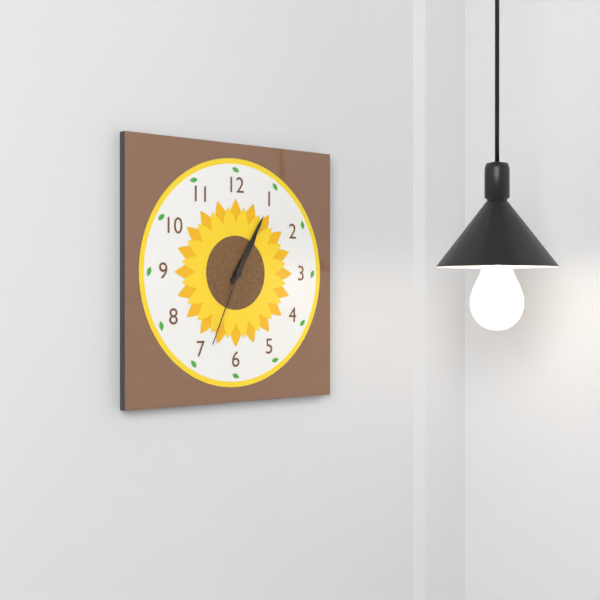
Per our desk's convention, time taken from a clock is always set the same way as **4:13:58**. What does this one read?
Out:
**1:05:34**
